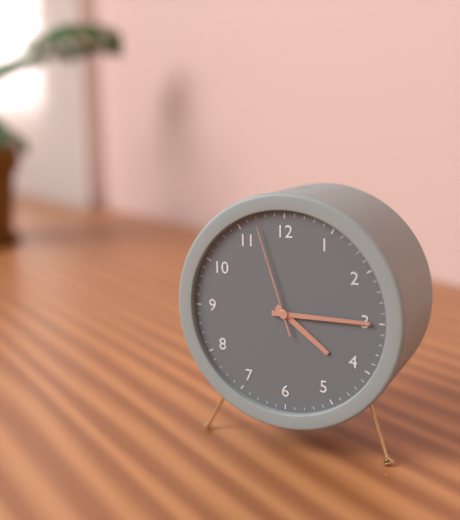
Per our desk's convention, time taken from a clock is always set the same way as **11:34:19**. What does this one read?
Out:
**4:15:57**
